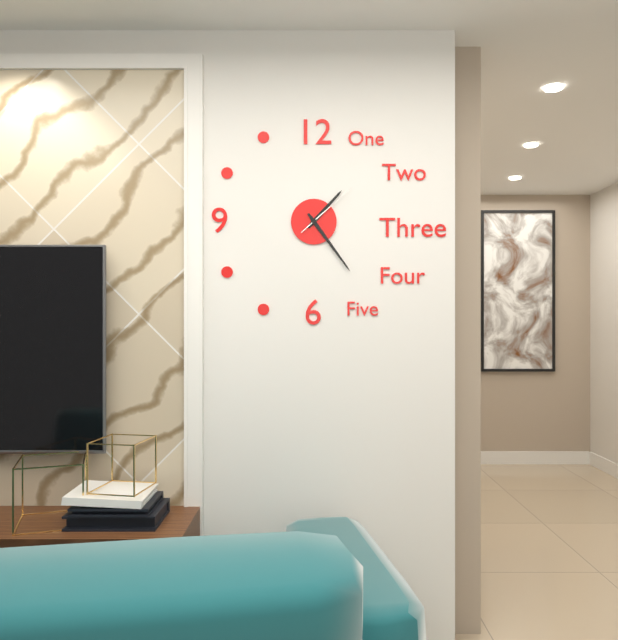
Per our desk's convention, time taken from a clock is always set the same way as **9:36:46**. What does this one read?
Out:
**1:24:08**
